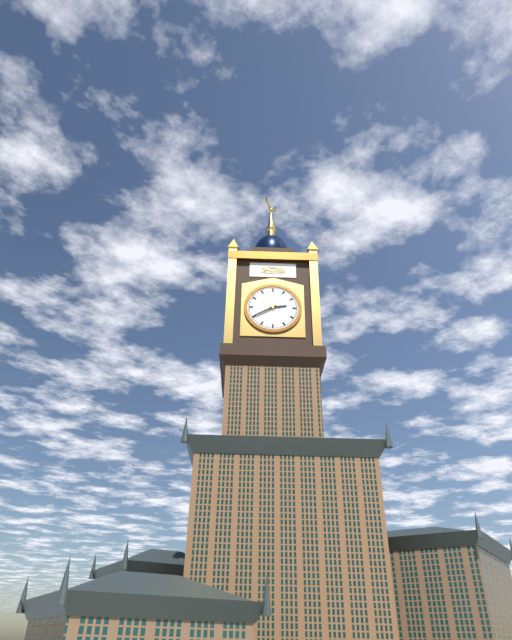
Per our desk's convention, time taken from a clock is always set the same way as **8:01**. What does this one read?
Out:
**2:40**
